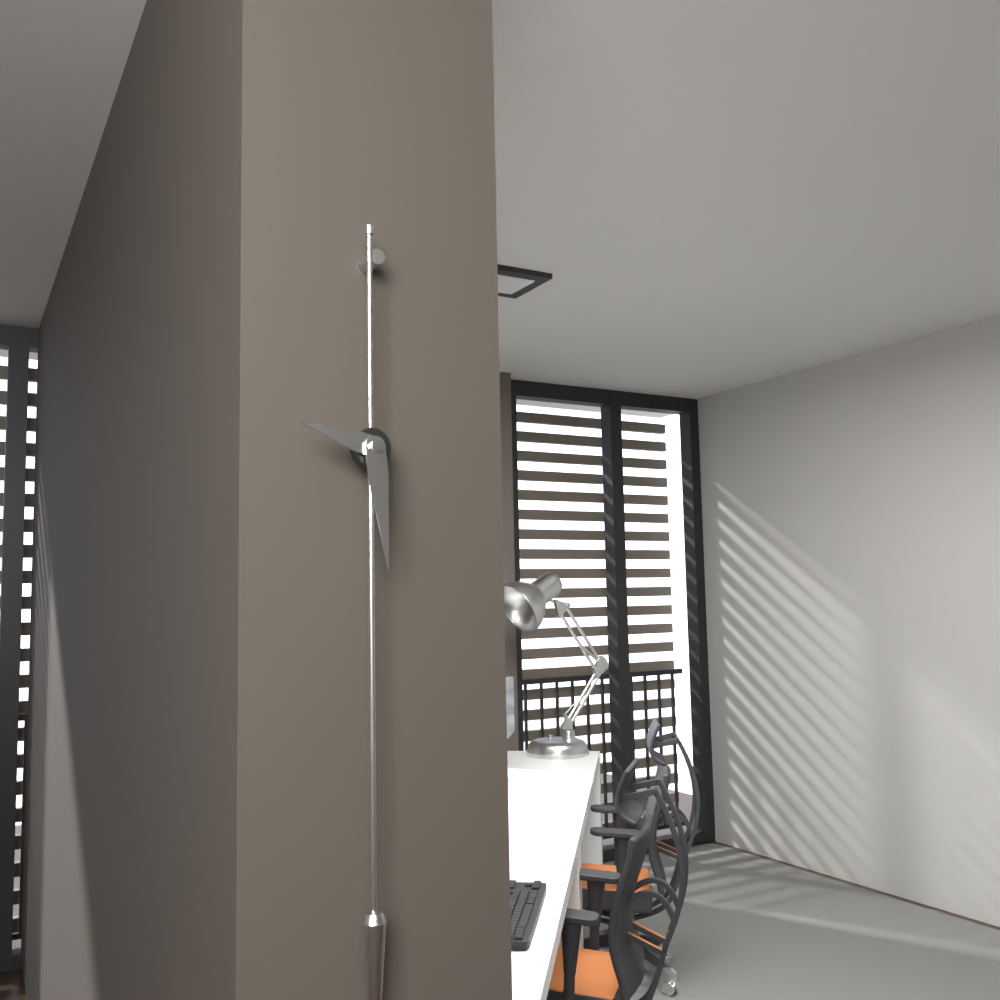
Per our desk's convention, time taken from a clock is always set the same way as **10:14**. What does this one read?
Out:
**9:29**
